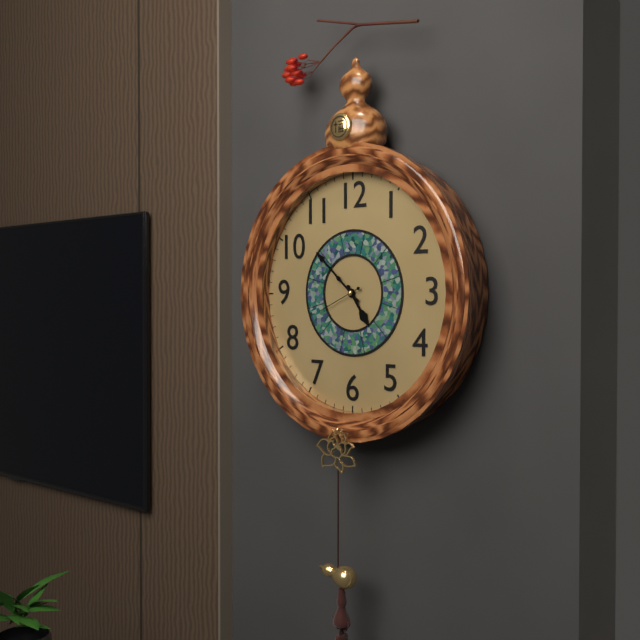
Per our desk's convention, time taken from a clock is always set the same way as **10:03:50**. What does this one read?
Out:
**4:52:41**
